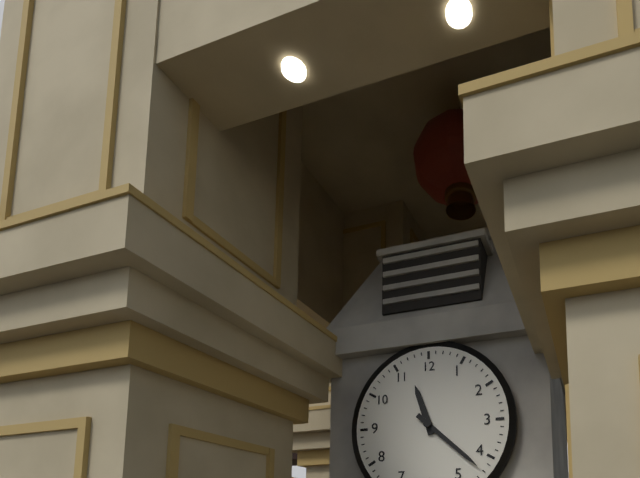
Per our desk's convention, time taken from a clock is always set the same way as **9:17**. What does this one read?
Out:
**11:22**
